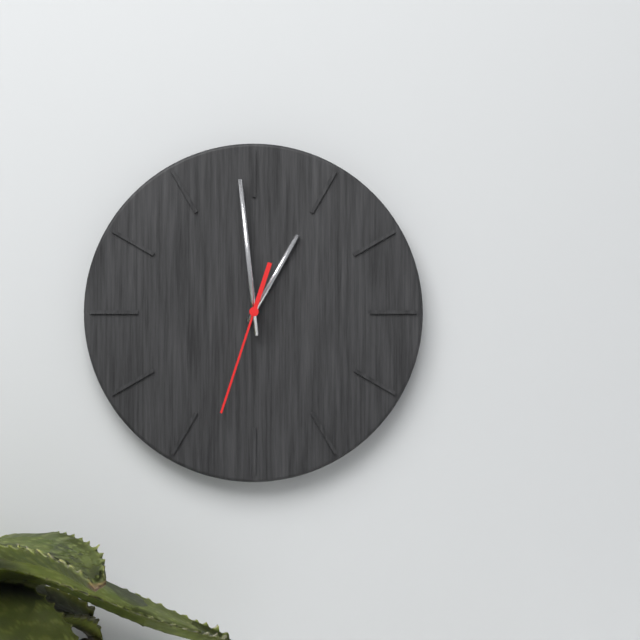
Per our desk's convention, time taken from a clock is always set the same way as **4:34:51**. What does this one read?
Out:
**12:59:33**
